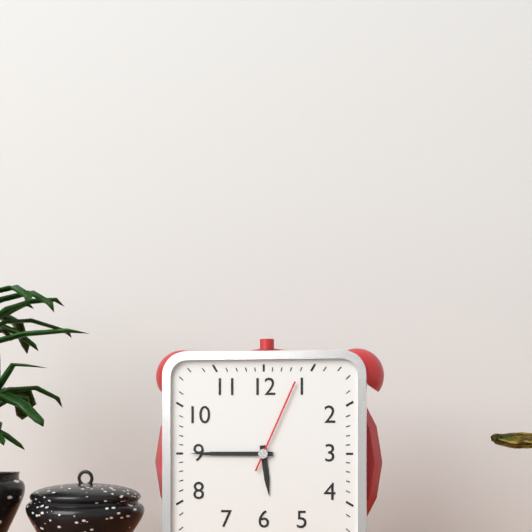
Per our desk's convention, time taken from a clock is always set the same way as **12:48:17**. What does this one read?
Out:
**5:45:04**
